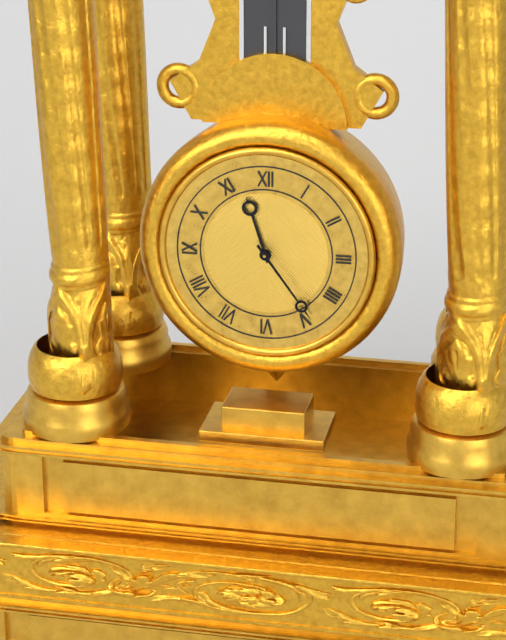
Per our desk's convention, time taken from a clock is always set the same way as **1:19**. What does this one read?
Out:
**11:24**
